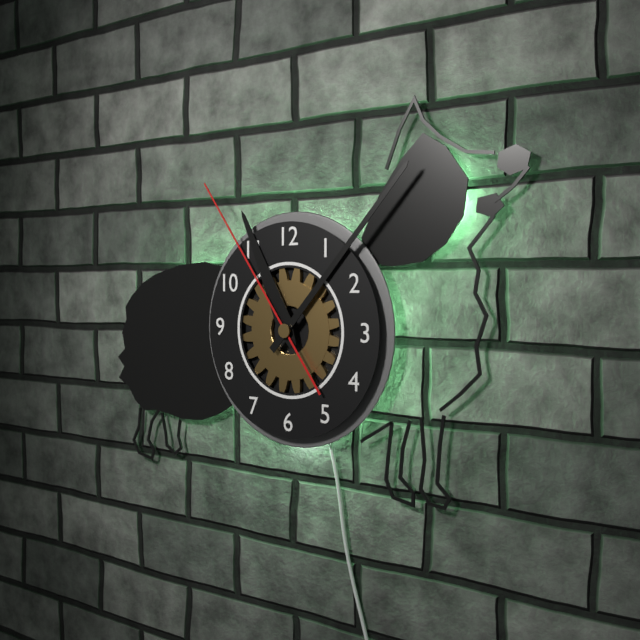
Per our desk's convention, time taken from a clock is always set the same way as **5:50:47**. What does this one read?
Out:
**11:07:54**
